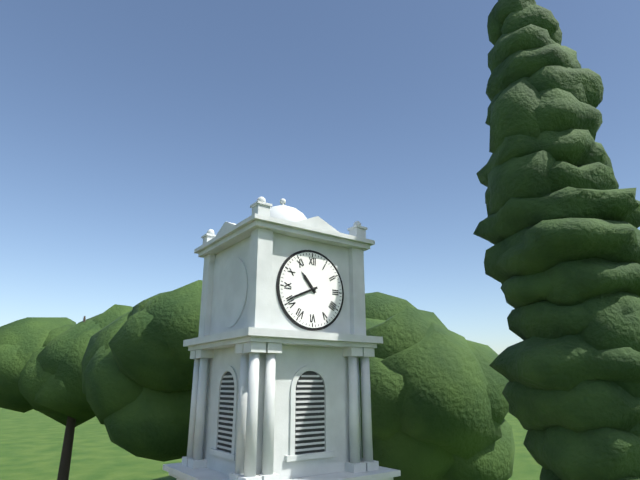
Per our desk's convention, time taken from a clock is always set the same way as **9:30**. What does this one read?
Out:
**10:41**
